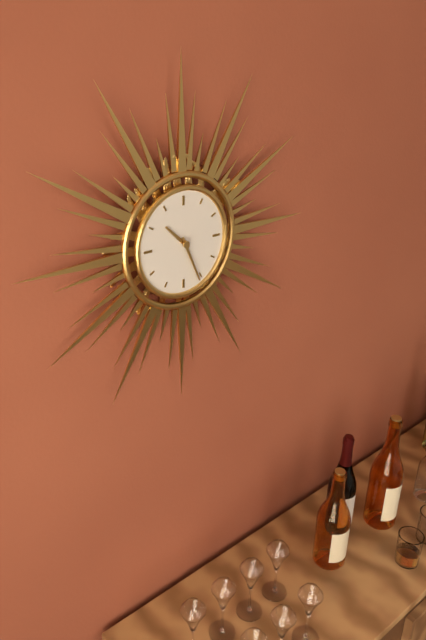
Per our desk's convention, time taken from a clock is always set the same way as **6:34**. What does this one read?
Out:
**10:26**
